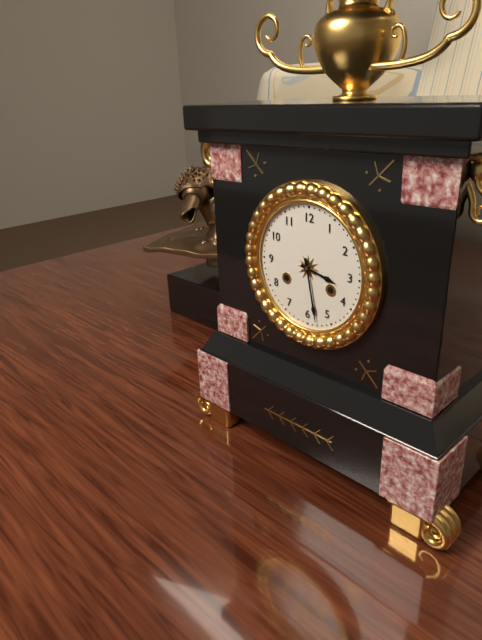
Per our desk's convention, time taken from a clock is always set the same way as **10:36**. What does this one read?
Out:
**3:28**
